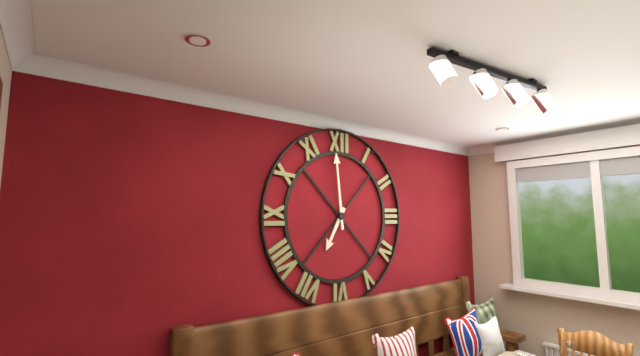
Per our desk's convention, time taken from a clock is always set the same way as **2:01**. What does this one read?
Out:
**6:59**
